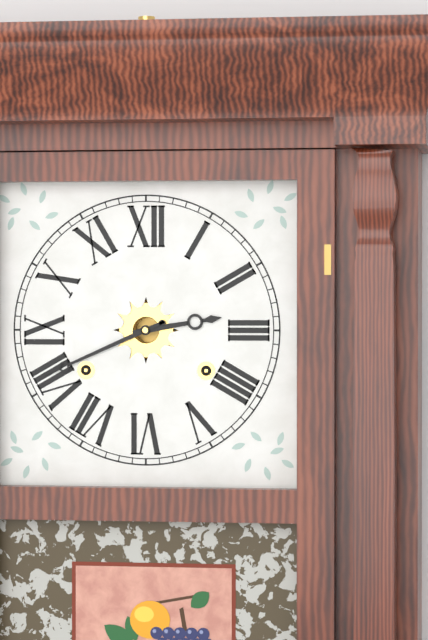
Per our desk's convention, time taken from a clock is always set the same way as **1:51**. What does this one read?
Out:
**2:41**
